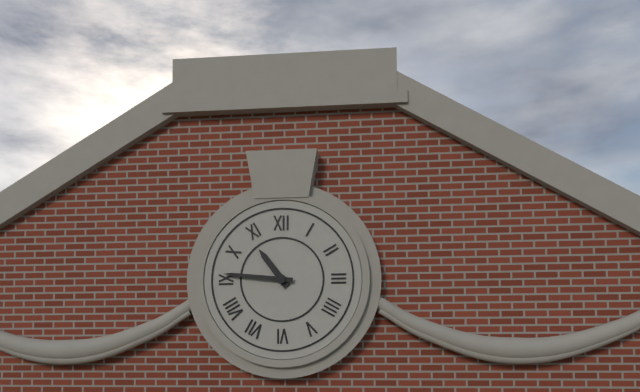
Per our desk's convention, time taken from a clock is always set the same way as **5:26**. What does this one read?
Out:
**10:46**
